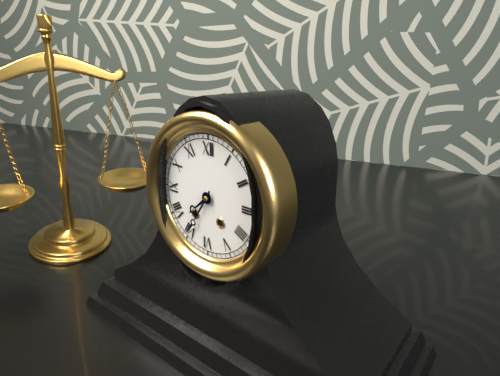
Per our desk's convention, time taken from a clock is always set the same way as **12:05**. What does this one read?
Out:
**7:35**
